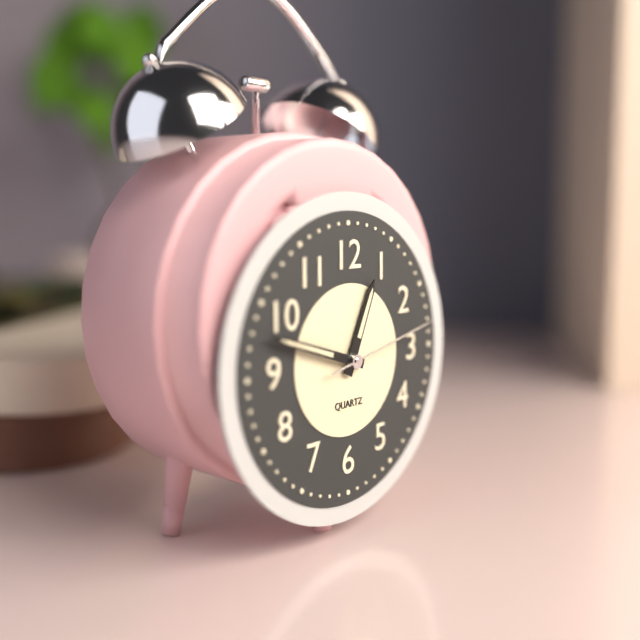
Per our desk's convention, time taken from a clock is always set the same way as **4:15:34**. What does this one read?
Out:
**12:48:13**
